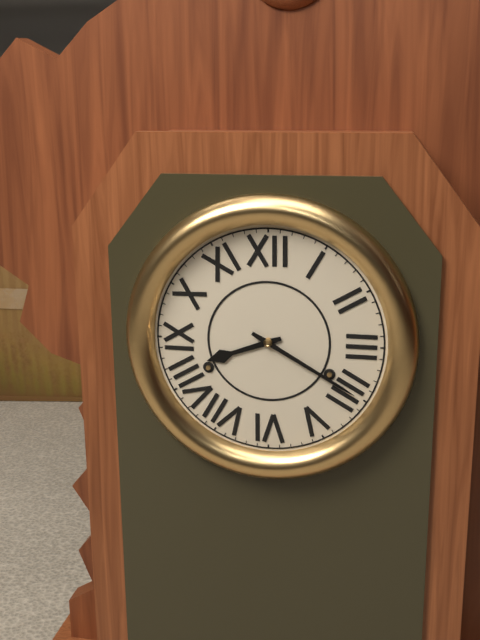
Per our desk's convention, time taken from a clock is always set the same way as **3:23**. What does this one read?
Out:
**8:20**
